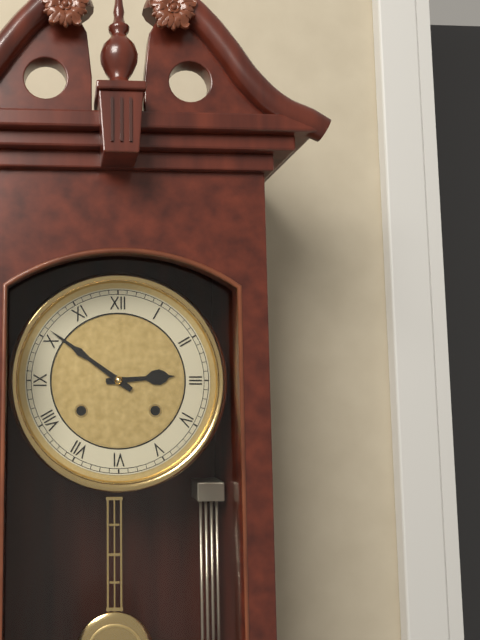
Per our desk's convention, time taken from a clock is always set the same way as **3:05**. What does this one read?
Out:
**2:51**
